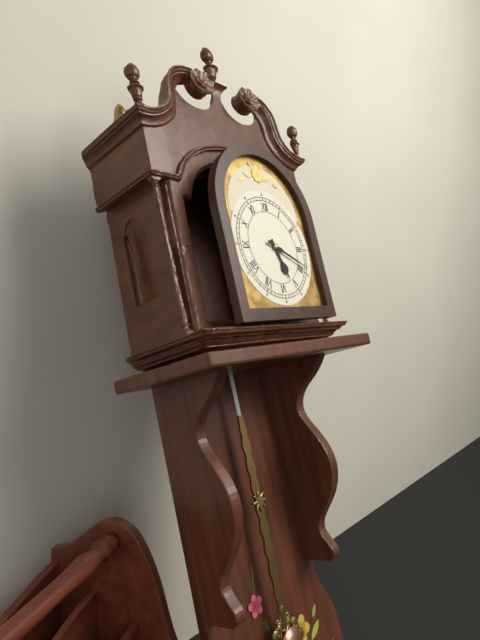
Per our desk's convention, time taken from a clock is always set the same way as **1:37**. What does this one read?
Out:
**5:19**
